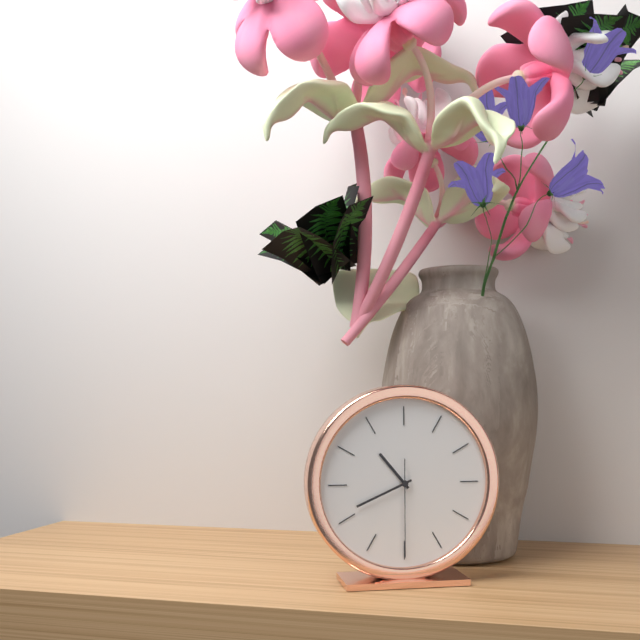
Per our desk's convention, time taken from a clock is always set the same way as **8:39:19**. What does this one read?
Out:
**10:41:30**
